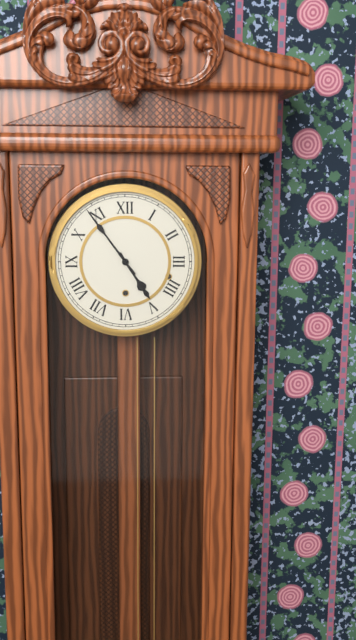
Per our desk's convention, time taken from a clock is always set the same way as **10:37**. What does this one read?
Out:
**4:54**
